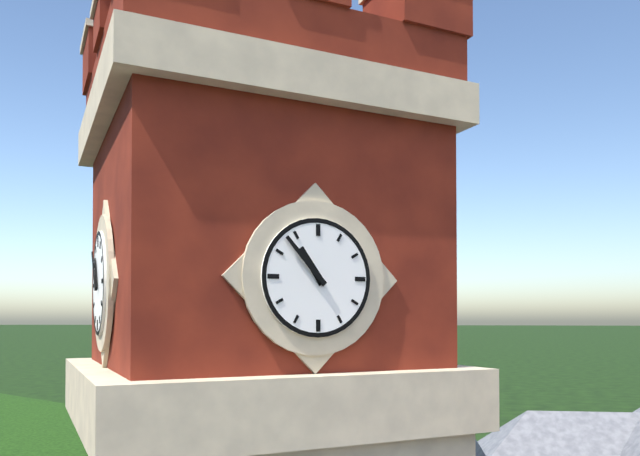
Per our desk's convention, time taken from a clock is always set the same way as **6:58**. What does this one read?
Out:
**10:53**
